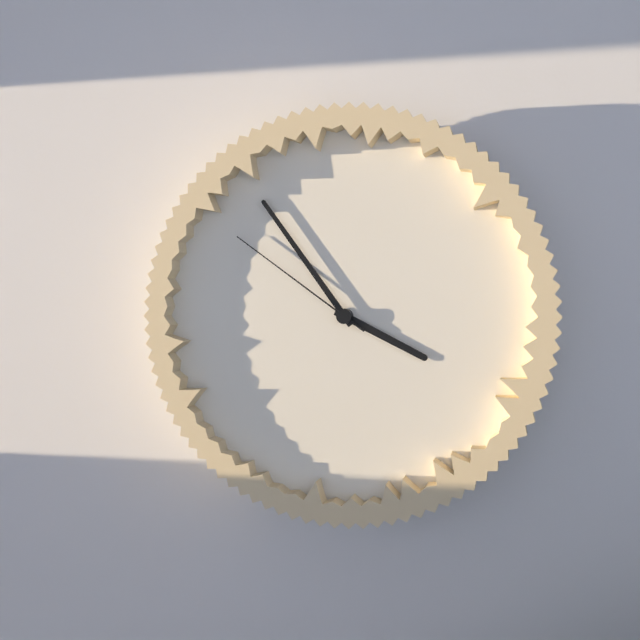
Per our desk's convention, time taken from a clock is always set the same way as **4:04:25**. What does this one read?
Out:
**3:54:51**
